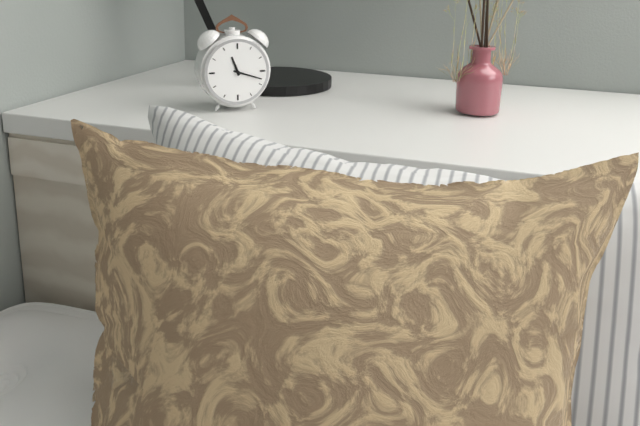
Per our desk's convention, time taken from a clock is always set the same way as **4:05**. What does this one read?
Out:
**11:18**
